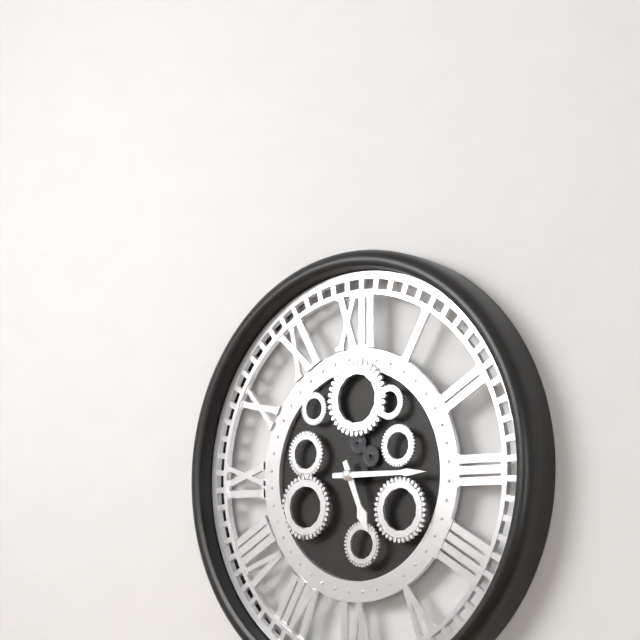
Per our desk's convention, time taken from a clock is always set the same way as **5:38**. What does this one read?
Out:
**5:15**
